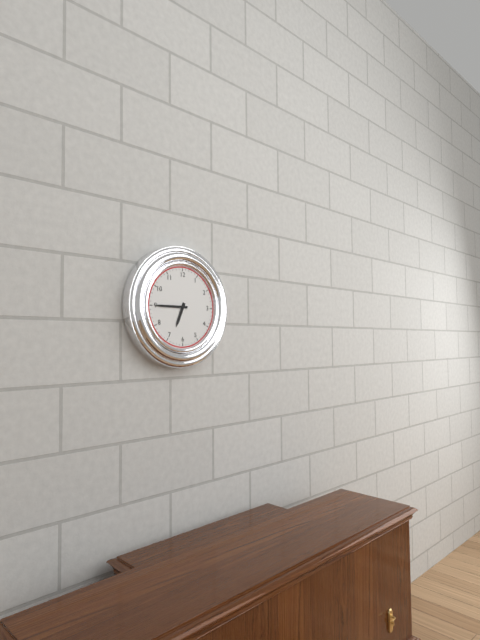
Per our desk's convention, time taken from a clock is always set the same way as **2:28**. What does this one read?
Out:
**6:45**
